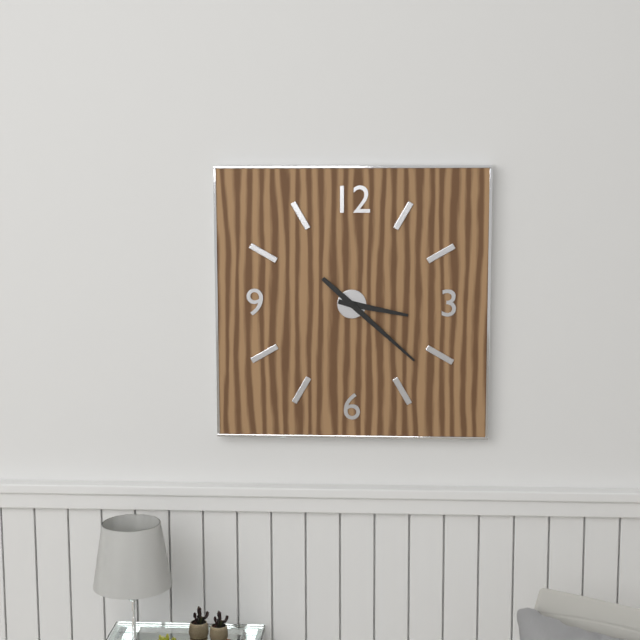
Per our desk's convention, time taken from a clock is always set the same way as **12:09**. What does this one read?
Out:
**3:22**
